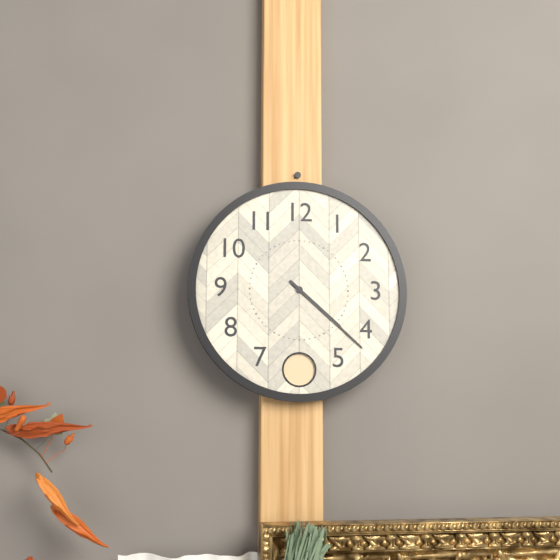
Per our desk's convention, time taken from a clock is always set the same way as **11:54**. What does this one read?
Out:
**4:22**
